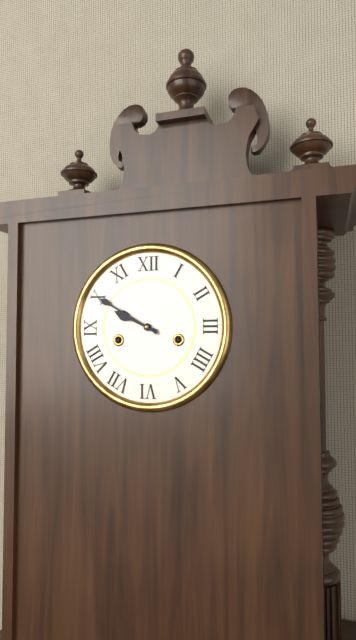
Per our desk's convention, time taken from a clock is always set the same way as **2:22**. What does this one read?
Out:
**9:50**
